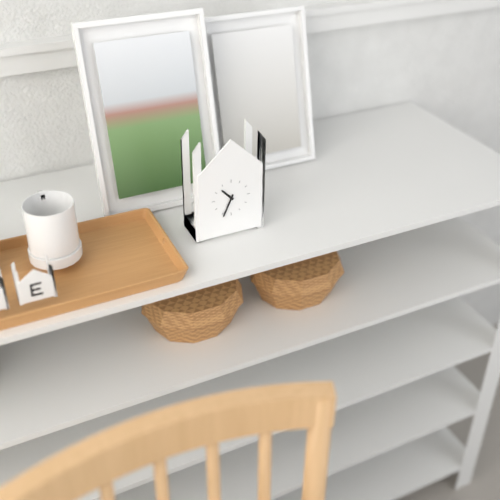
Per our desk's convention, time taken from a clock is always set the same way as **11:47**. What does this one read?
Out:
**10:34**
